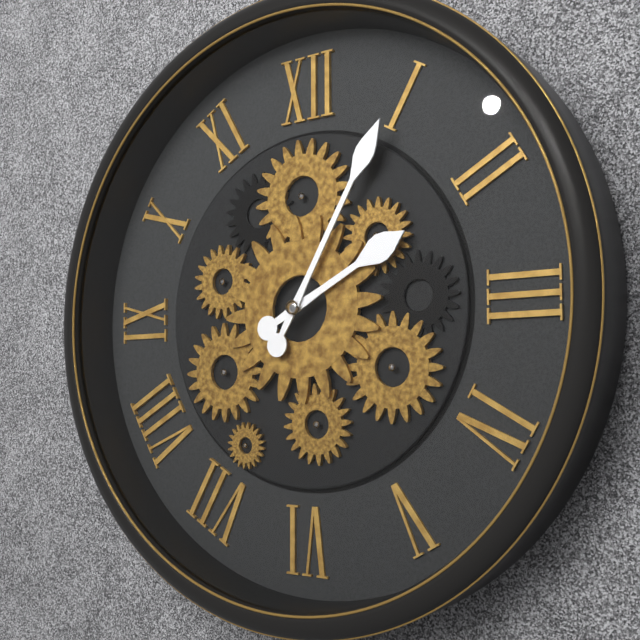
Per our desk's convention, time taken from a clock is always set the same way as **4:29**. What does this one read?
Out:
**2:05**
